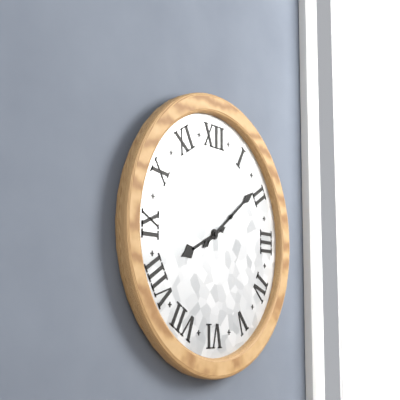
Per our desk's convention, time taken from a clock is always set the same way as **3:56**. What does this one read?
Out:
**8:09**
